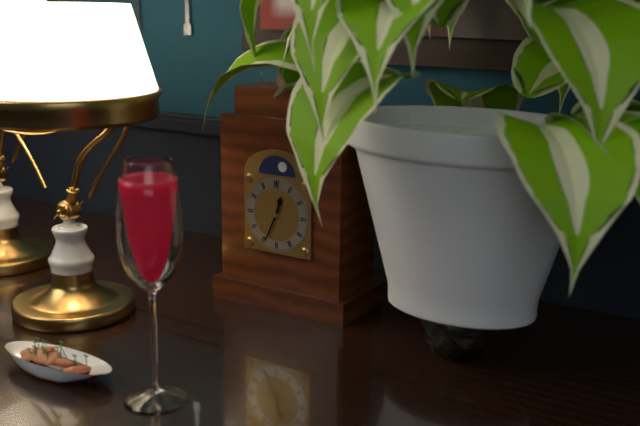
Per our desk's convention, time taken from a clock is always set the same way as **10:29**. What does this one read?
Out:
**12:34**
